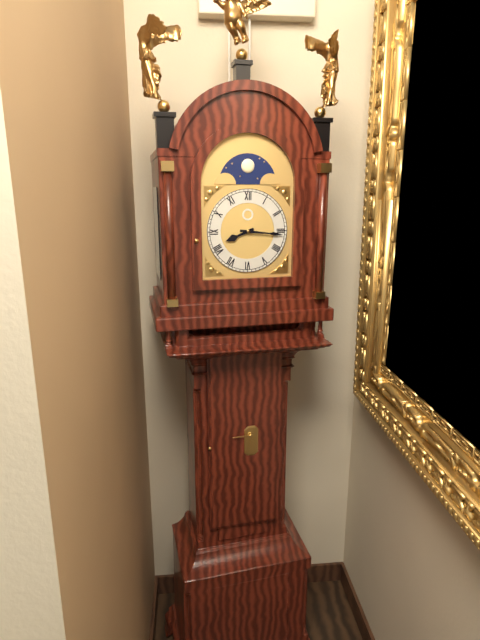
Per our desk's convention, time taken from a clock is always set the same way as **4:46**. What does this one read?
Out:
**8:16**
